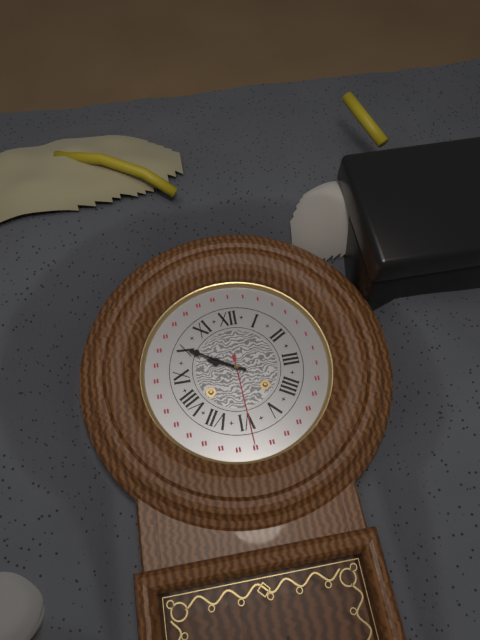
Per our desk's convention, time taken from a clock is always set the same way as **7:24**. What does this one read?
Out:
**9:50**
